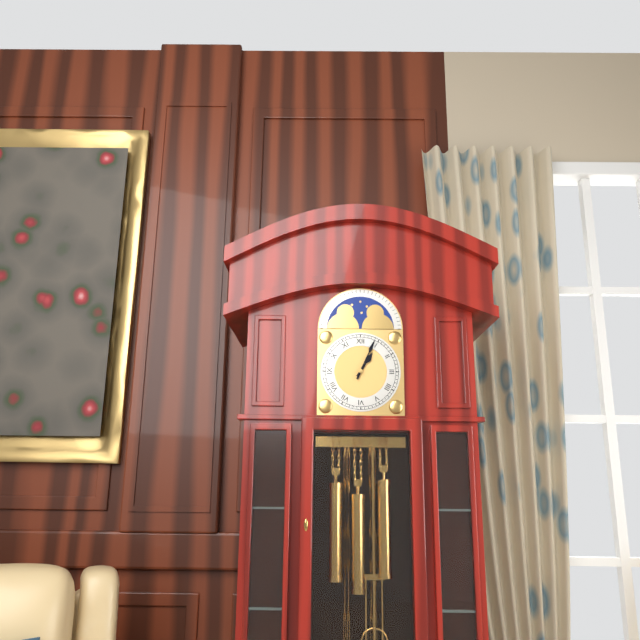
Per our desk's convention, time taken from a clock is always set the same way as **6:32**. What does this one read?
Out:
**1:04**
